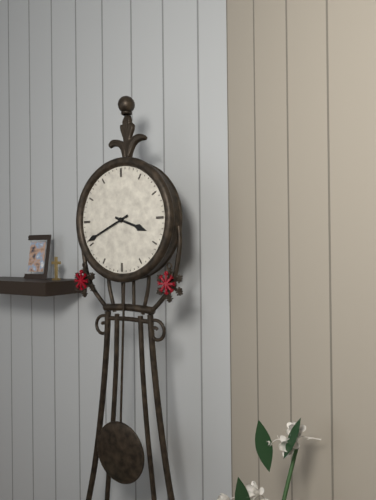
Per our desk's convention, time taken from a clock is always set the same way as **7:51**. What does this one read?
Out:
**3:41**
